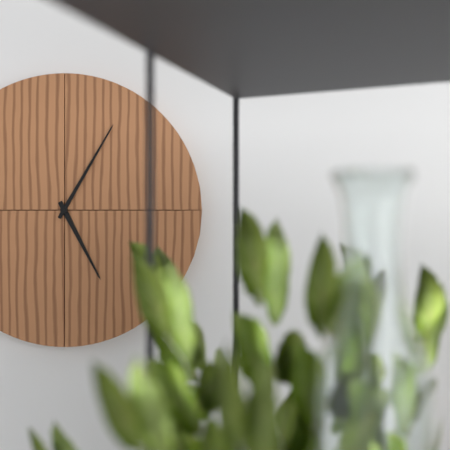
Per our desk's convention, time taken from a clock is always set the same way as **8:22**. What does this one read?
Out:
**5:05**
